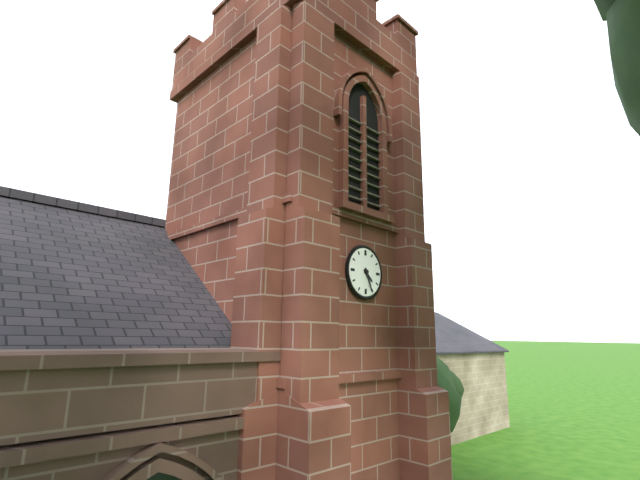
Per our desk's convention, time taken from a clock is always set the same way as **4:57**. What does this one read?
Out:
**4:26**
